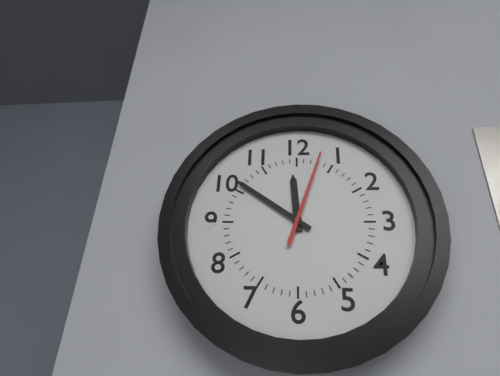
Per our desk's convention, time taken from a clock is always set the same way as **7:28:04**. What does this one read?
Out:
**11:51:03**
